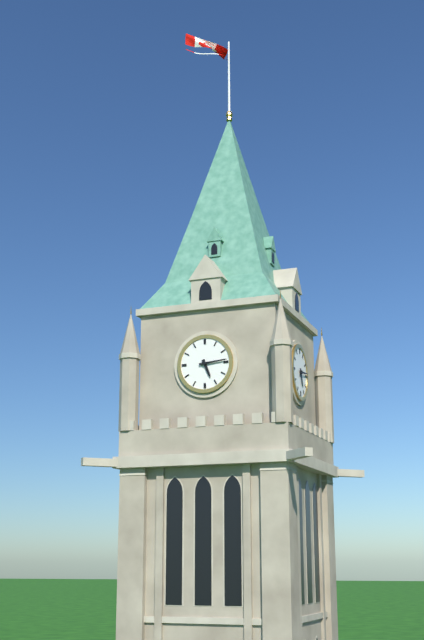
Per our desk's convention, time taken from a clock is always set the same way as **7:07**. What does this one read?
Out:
**5:14**
